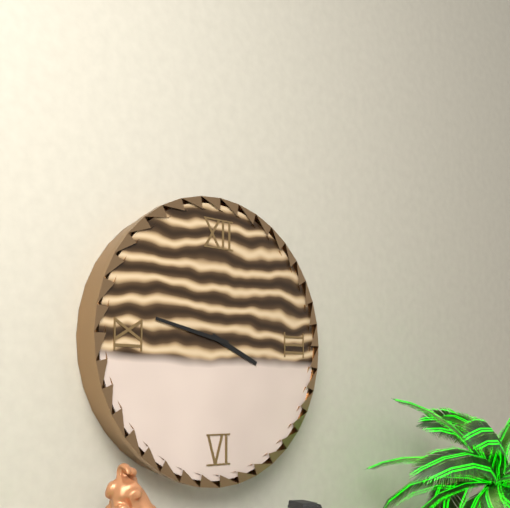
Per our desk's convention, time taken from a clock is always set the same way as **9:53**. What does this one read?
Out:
**3:47**
